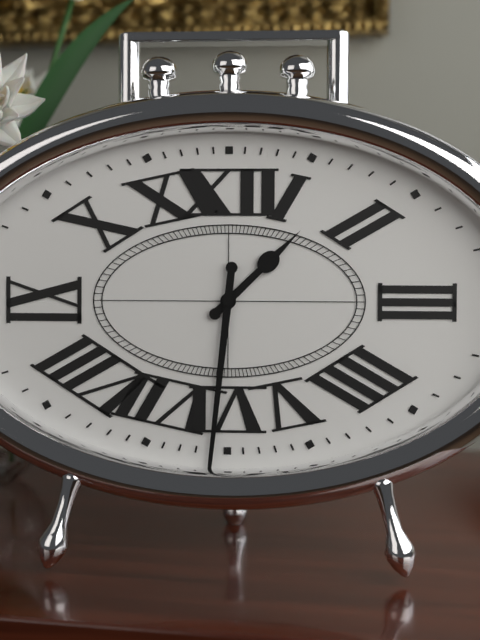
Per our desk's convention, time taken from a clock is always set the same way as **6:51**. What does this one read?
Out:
**1:31**
